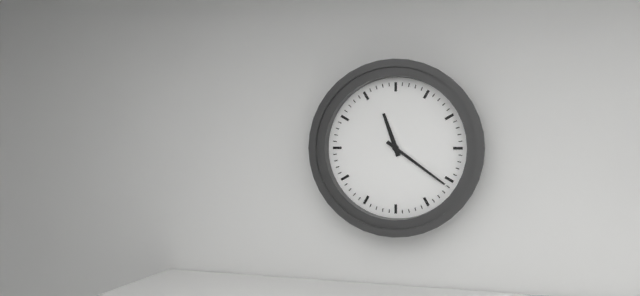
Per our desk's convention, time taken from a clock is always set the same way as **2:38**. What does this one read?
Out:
**11:21**
